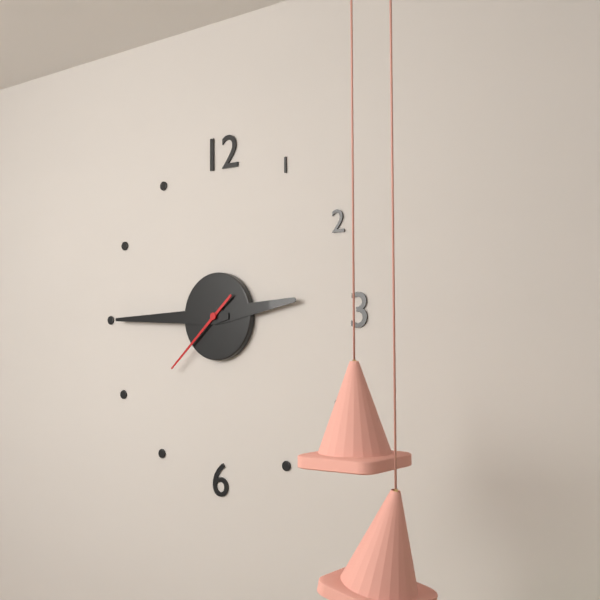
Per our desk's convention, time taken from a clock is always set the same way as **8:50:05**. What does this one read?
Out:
**2:45:38**
